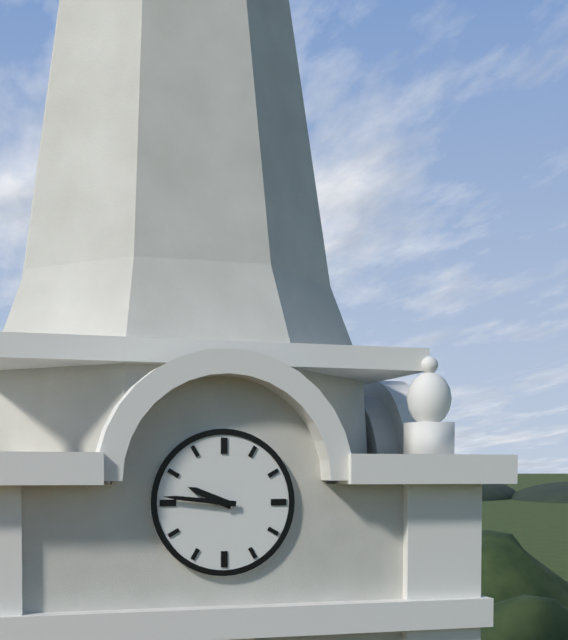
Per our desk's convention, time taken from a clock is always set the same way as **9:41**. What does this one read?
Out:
**9:46**
